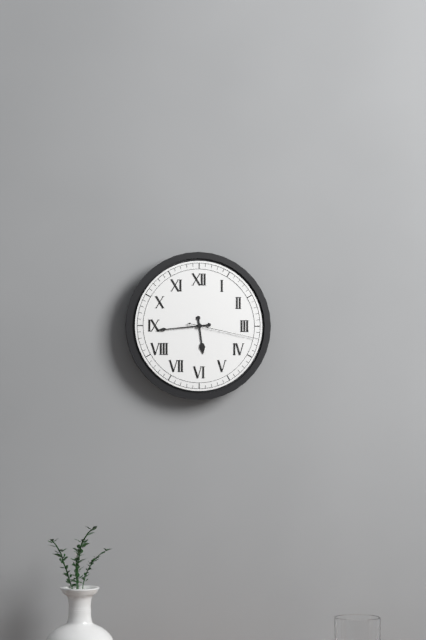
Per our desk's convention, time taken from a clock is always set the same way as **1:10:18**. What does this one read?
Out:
**5:44:17**
